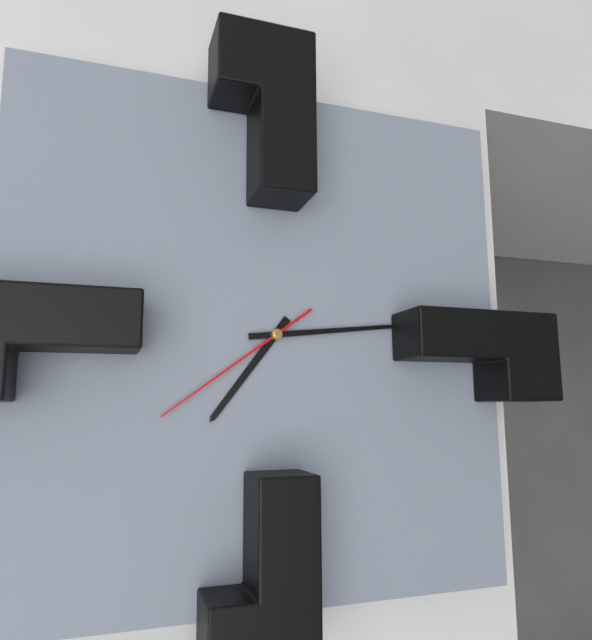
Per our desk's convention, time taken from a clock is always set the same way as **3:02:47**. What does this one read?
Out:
**7:14:39**
